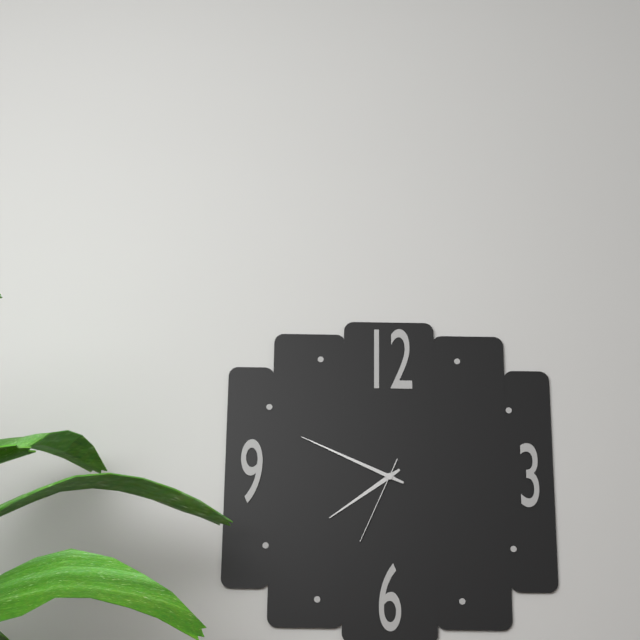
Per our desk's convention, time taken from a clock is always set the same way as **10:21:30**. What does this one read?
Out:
**7:49:34**
